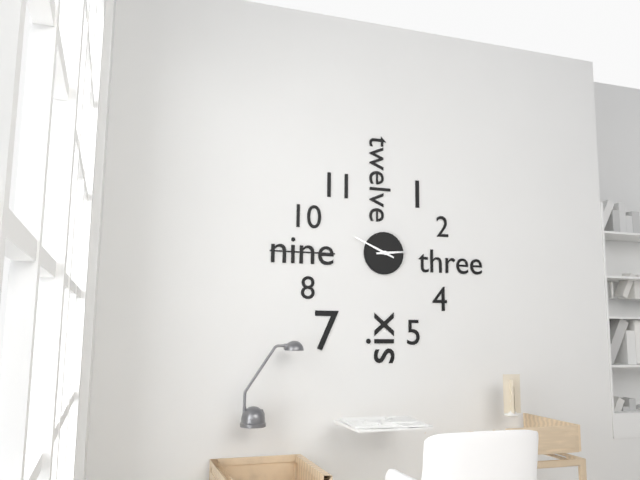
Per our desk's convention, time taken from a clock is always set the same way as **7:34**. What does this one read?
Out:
**2:49**
